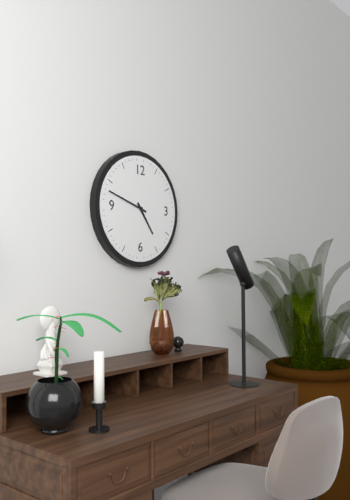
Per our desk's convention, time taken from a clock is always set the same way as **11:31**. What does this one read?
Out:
**4:48**
